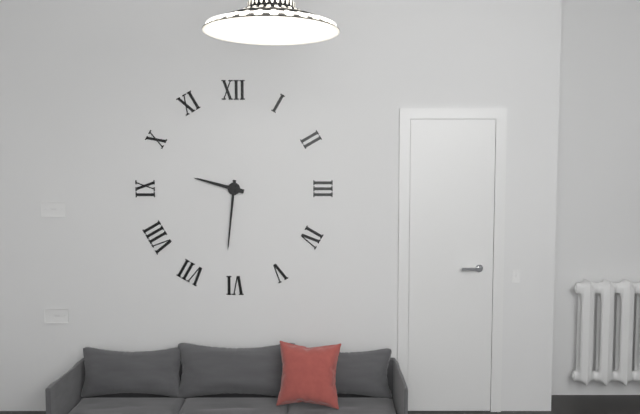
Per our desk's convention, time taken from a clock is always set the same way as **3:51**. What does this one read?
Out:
**9:31**
